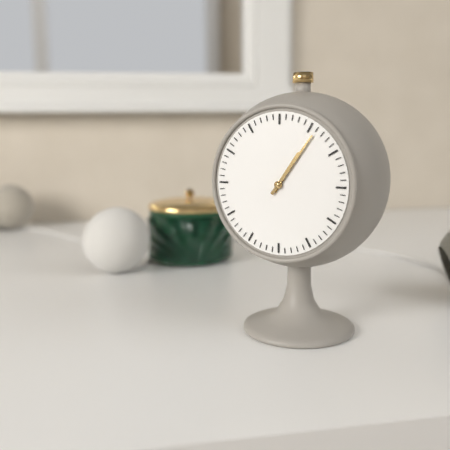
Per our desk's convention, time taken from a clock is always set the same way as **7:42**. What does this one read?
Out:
**1:06**
